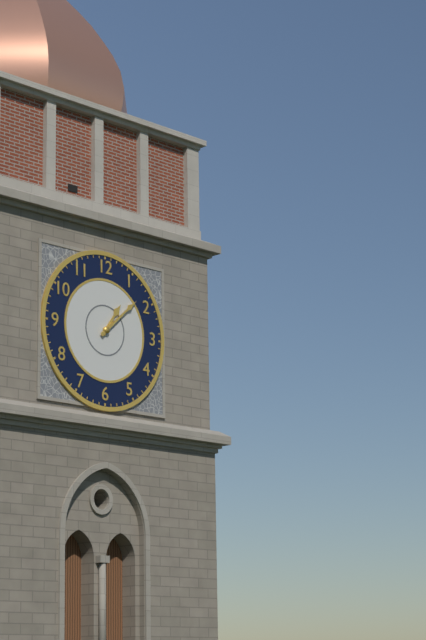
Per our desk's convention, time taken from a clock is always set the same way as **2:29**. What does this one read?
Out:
**1:08**
